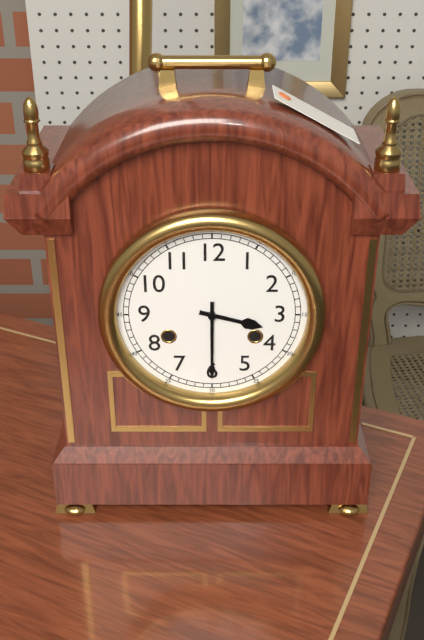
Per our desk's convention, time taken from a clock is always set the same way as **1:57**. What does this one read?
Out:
**3:30**
